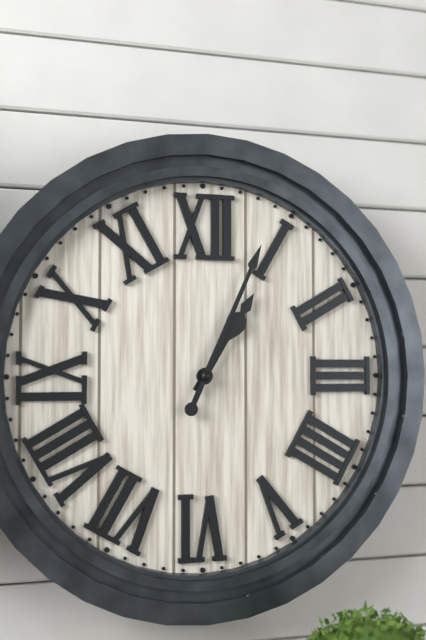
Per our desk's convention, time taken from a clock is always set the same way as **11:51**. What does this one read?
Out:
**1:04**
